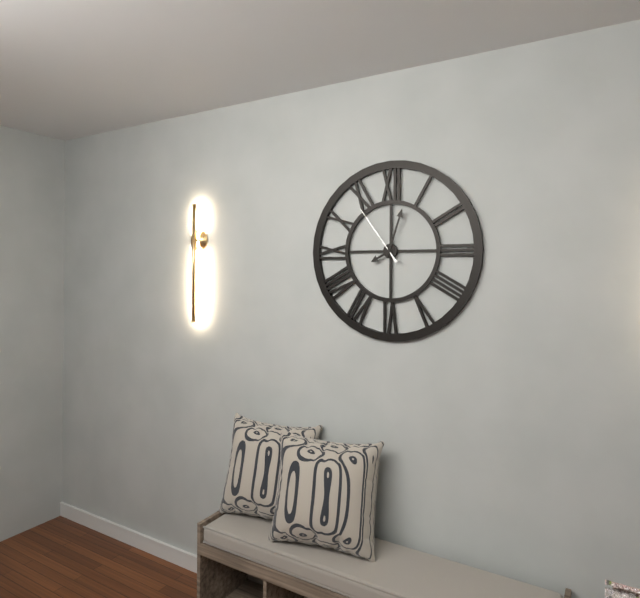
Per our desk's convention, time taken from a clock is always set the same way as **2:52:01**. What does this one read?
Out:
**8:03:54**
